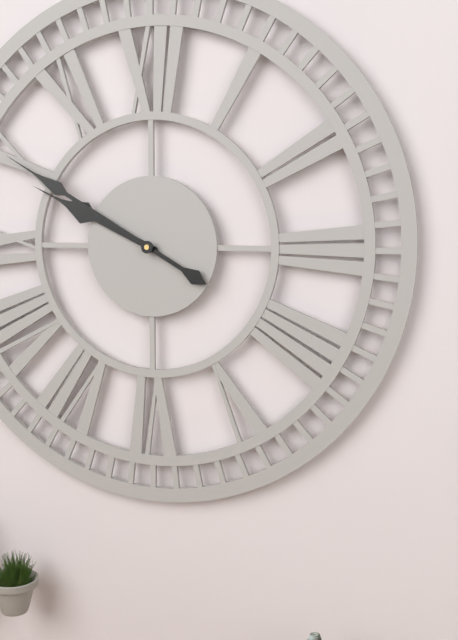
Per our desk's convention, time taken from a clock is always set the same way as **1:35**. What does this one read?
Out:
**9:50**
